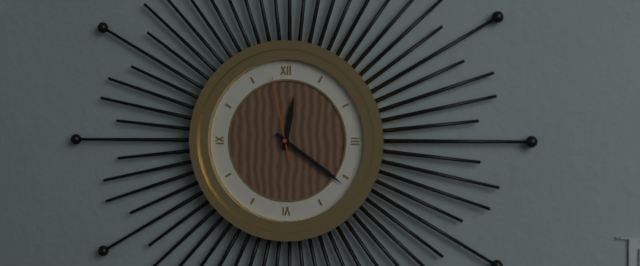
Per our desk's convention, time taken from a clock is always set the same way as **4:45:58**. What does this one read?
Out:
**12:21:58**
